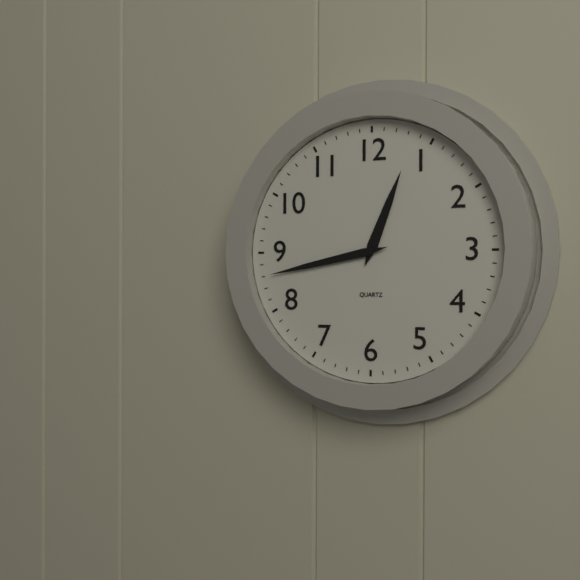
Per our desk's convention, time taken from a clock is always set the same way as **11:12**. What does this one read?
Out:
**12:43**
